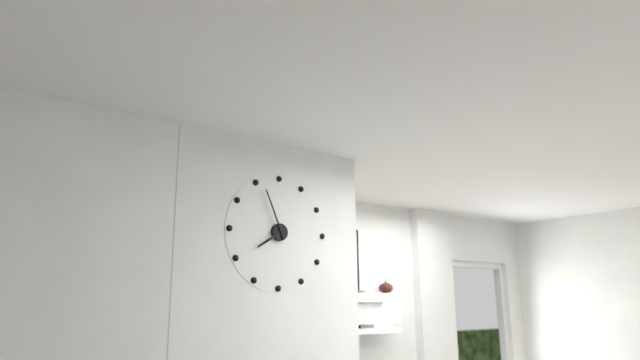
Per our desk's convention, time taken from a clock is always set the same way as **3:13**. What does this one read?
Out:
**7:56**
